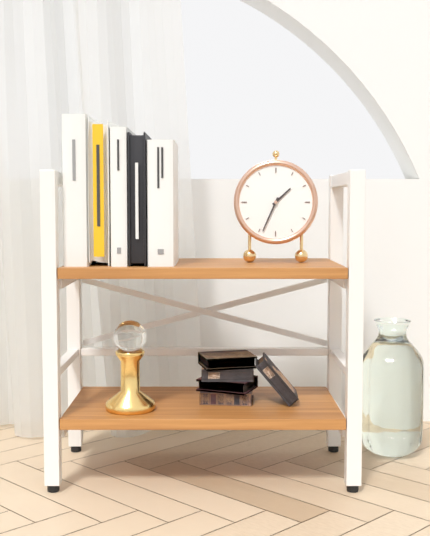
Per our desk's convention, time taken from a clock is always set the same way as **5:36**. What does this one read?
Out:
**1:34**
